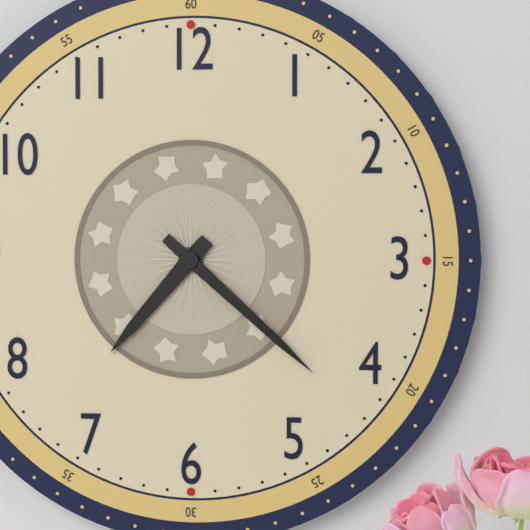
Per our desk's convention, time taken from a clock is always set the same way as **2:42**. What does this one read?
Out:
**7:22**
